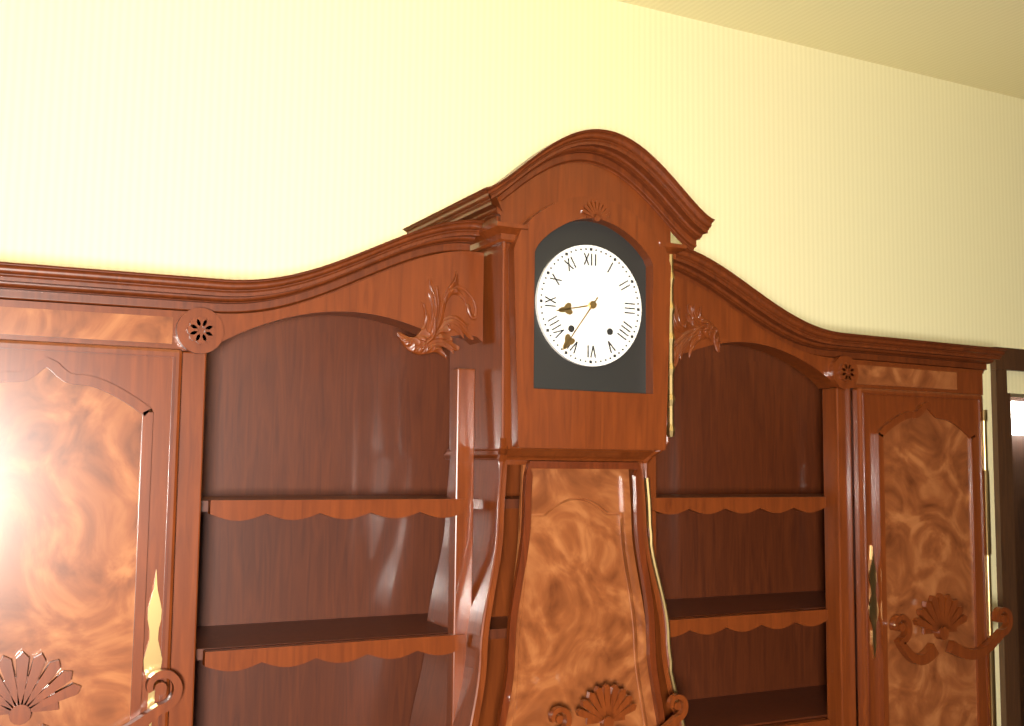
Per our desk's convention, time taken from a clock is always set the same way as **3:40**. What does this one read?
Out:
**8:36**
